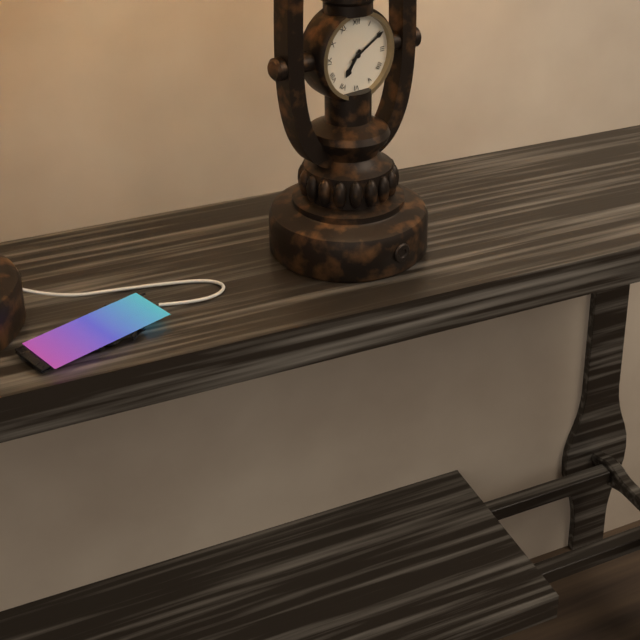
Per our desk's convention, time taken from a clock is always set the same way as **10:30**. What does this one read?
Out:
**7:10**
